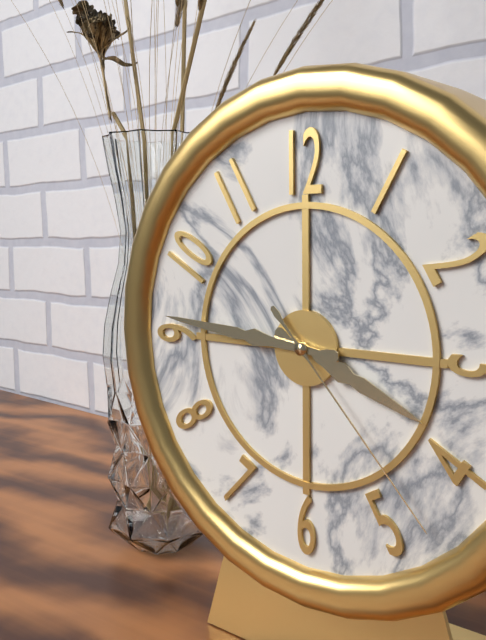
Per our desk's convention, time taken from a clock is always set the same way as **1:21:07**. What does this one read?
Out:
**3:46:23**
